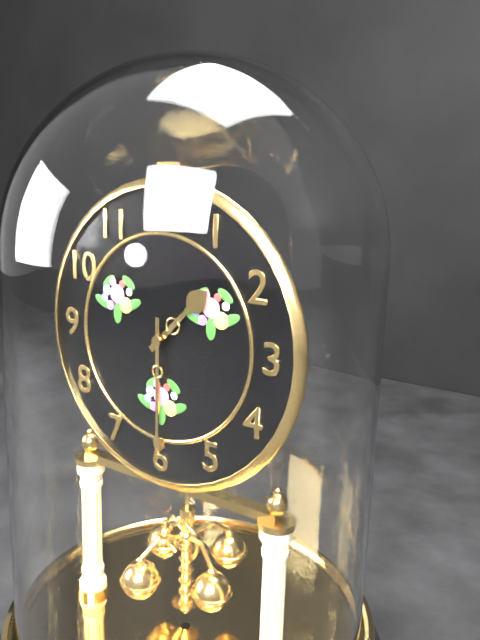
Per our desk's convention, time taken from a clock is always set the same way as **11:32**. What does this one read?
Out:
**1:30**
